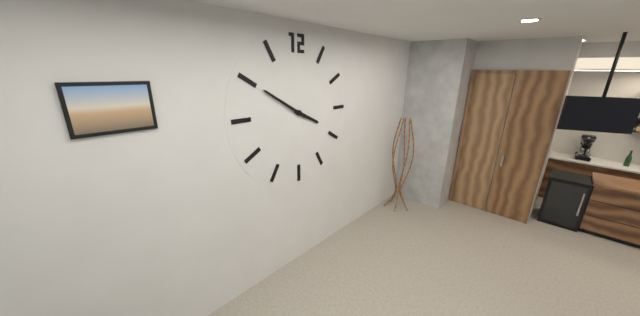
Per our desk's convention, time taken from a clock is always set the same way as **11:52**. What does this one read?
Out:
**3:50**
